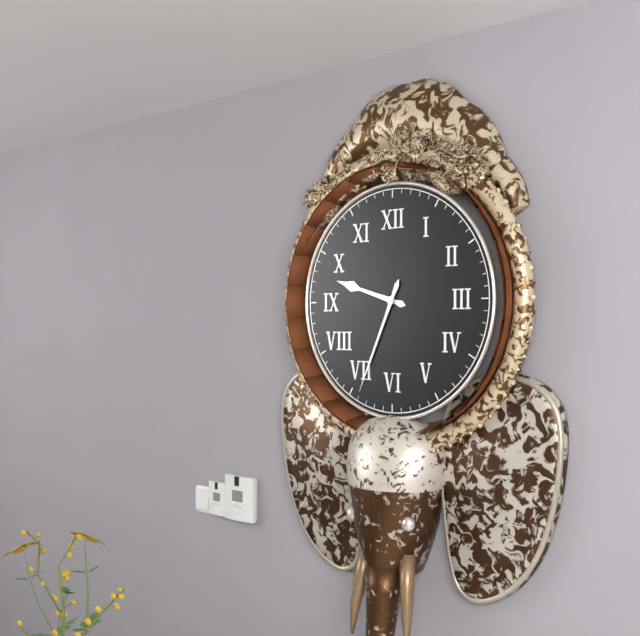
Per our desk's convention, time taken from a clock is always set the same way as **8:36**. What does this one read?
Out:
**9:34**
